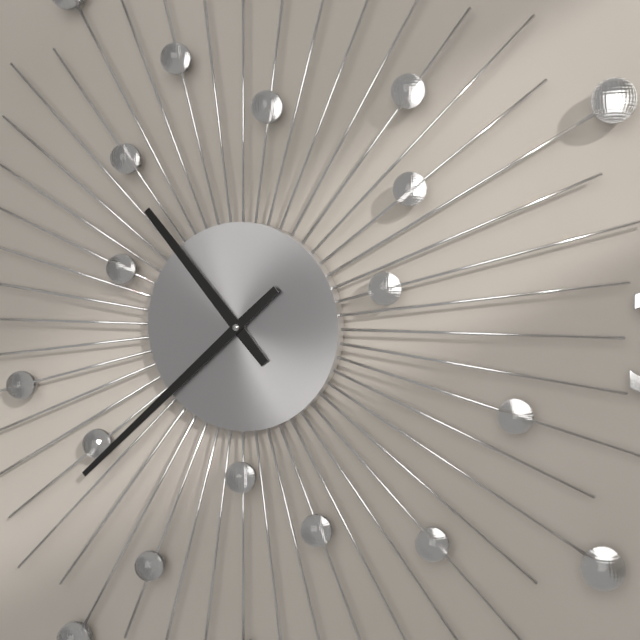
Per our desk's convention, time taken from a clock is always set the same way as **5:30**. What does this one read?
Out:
**10:38**
